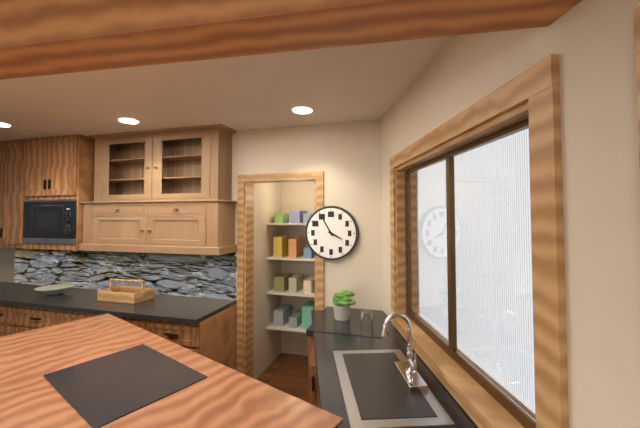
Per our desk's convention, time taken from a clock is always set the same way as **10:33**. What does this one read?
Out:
**3:55**
